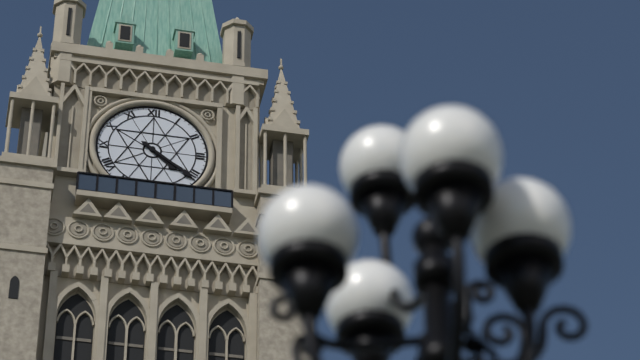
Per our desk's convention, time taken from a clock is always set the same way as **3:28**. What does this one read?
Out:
**4:21**
